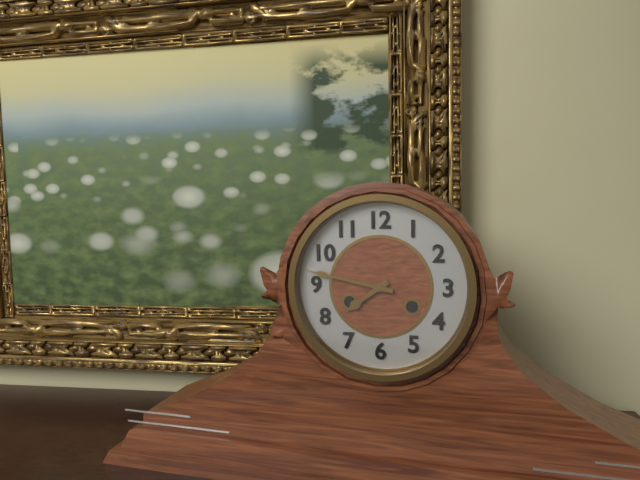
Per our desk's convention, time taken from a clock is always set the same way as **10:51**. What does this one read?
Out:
**7:47**
